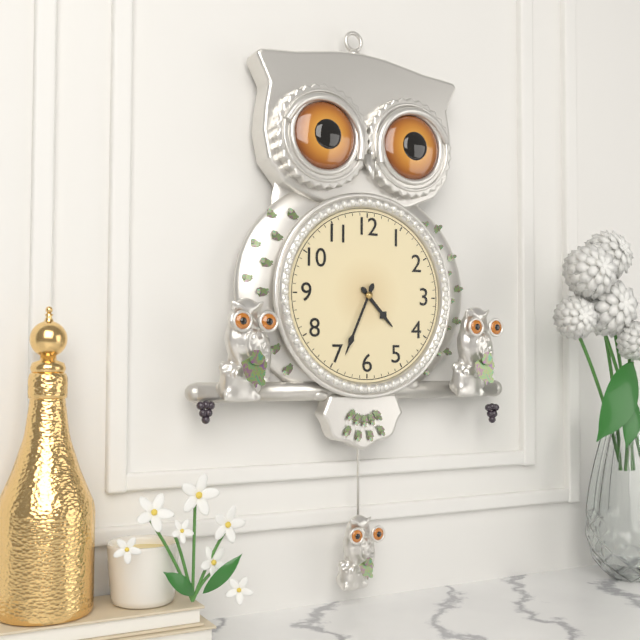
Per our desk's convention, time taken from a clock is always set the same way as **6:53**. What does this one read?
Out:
**4:34**
